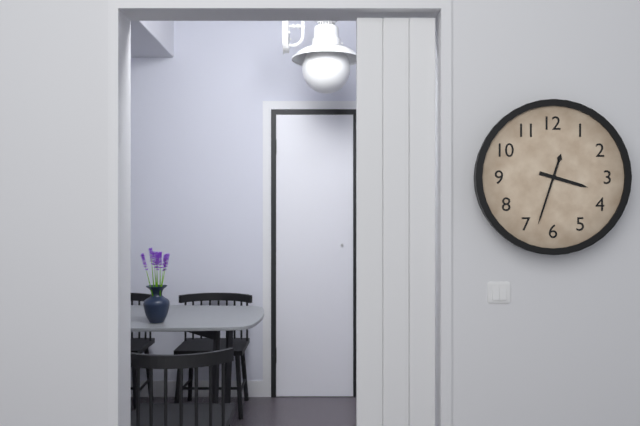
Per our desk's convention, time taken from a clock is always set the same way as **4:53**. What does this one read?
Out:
**3:33**
